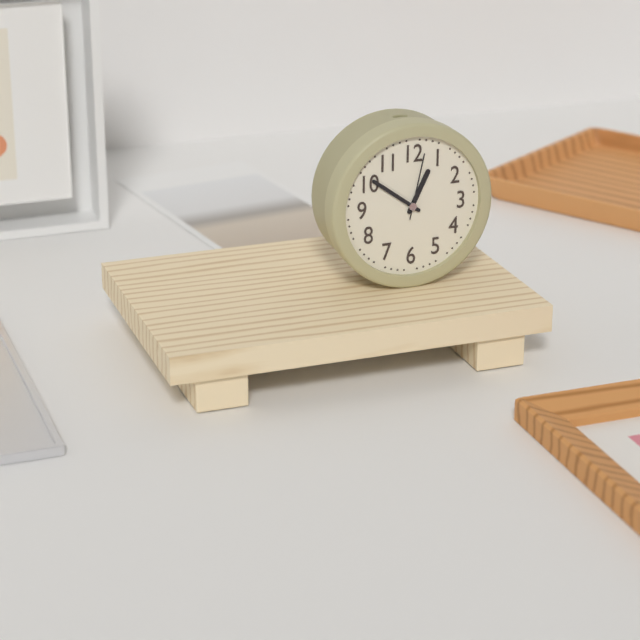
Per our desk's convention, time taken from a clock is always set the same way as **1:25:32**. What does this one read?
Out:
**12:51:02**
